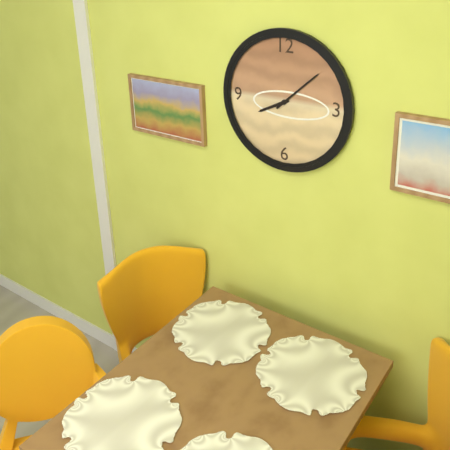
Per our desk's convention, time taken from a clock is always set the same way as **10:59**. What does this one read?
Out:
**8:08**
